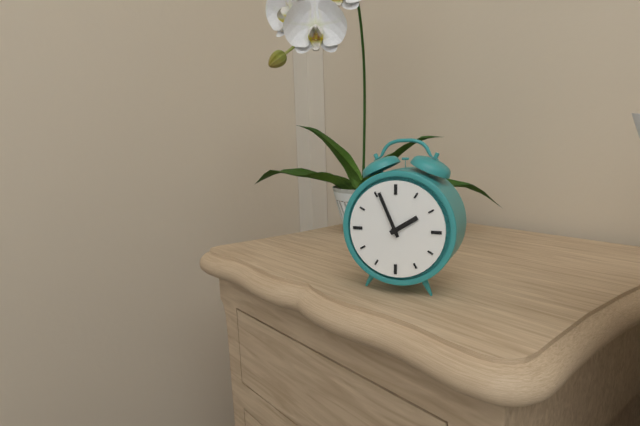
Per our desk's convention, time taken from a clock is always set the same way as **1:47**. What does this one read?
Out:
**1:56**
